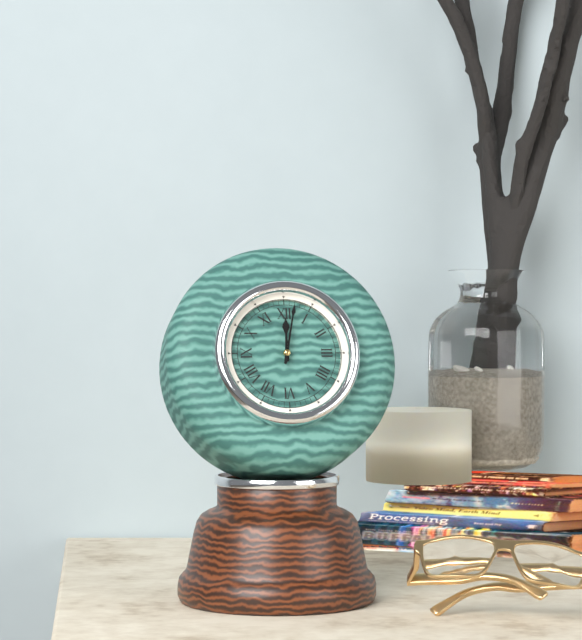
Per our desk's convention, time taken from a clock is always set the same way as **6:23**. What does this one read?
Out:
**12:02**
